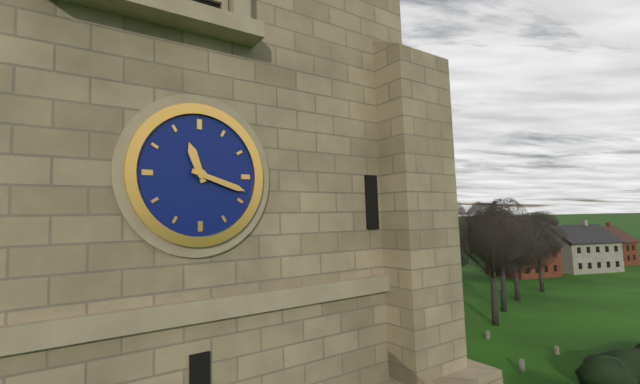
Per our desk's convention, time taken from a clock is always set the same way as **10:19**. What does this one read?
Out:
**11:18**
